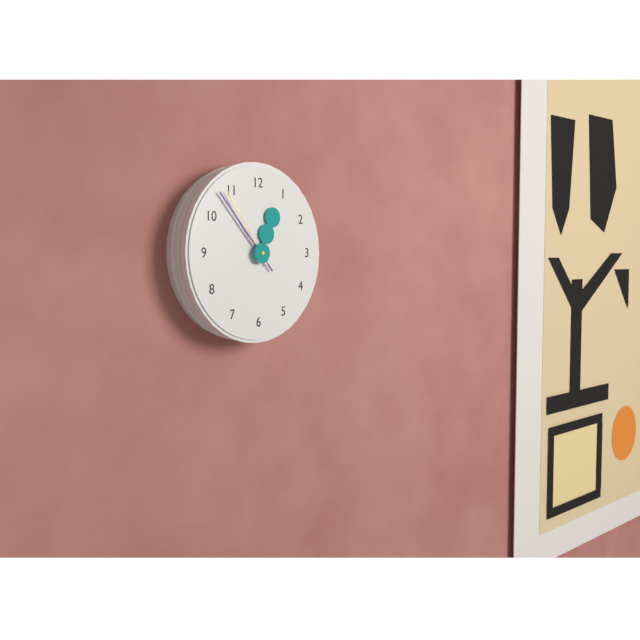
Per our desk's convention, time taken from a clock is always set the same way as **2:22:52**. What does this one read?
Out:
**12:53:54**
